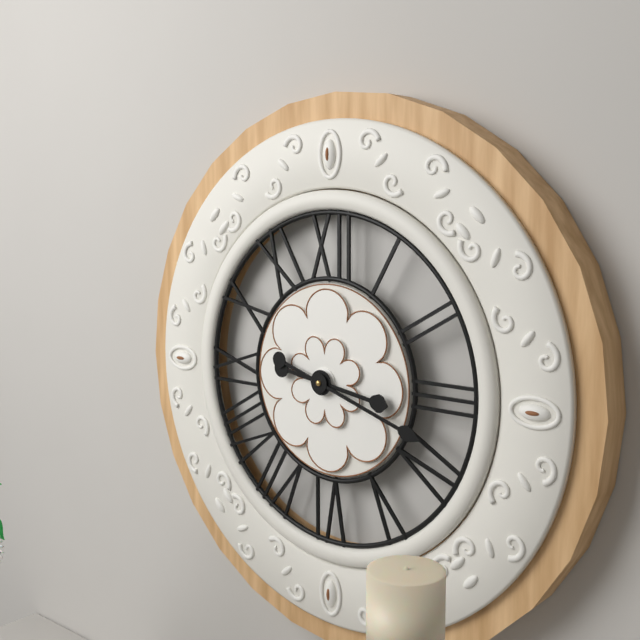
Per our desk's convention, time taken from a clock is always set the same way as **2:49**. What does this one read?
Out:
**3:18**
